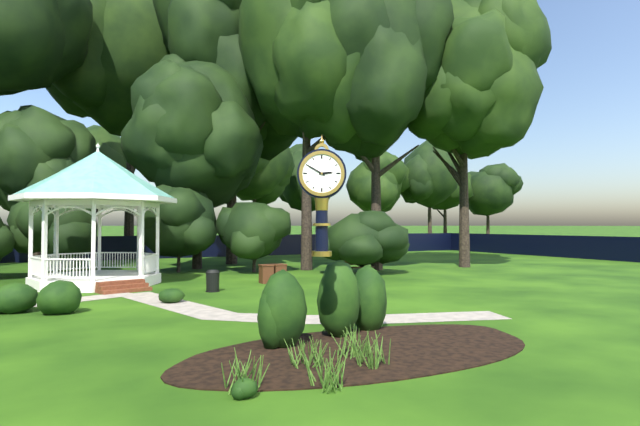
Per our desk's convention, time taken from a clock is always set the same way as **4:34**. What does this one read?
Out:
**2:50**
